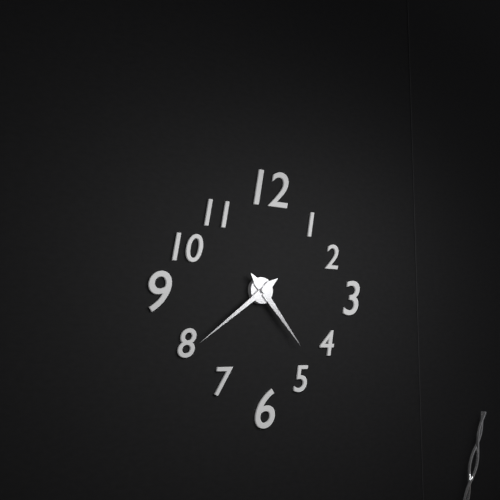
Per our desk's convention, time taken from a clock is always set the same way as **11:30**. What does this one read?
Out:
**4:39**
